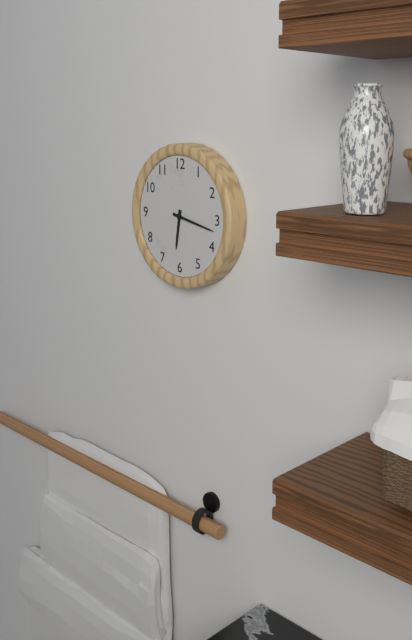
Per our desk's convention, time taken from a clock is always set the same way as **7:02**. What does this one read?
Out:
**6:17**
